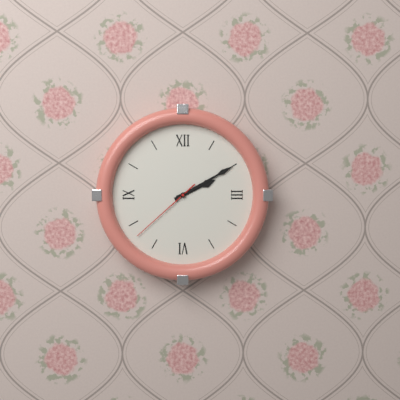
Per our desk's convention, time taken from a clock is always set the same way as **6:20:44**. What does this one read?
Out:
**2:10:38**
